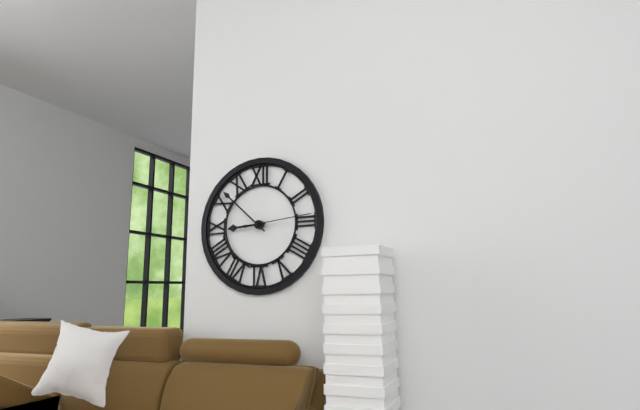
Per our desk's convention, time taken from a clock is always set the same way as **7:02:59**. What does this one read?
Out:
**8:52:14**
